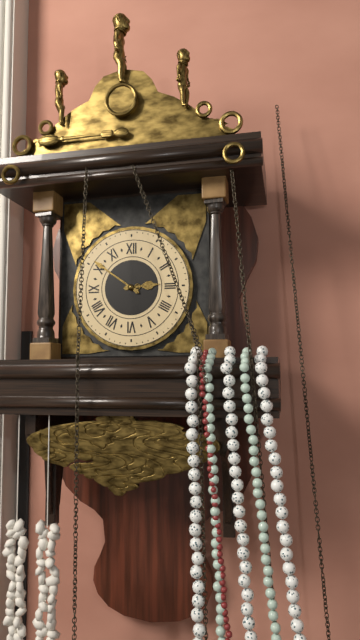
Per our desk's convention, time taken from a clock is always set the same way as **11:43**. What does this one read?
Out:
**2:51**
